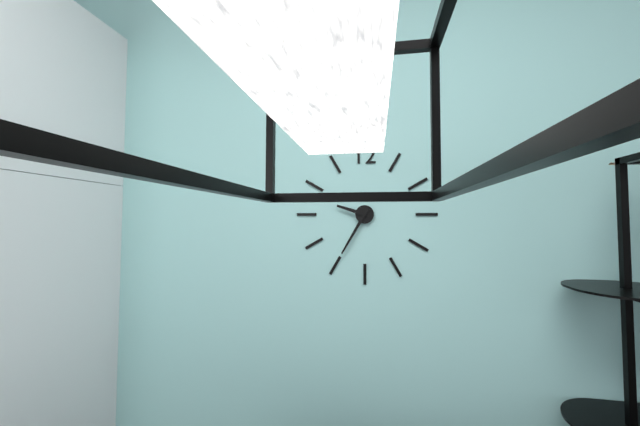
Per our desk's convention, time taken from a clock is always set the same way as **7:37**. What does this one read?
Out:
**9:35**
